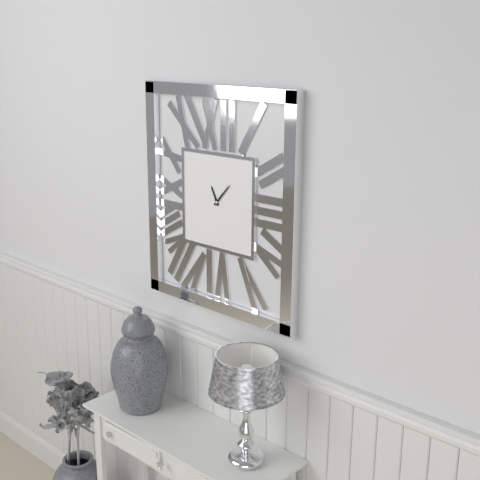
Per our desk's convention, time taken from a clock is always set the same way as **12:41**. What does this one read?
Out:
**11:07**
